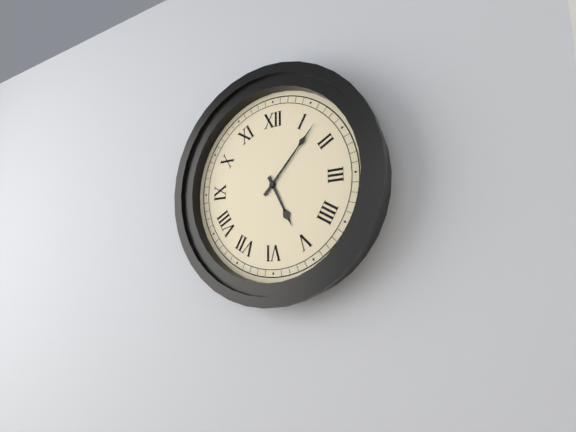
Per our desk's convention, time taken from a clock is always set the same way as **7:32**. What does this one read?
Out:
**5:07**
